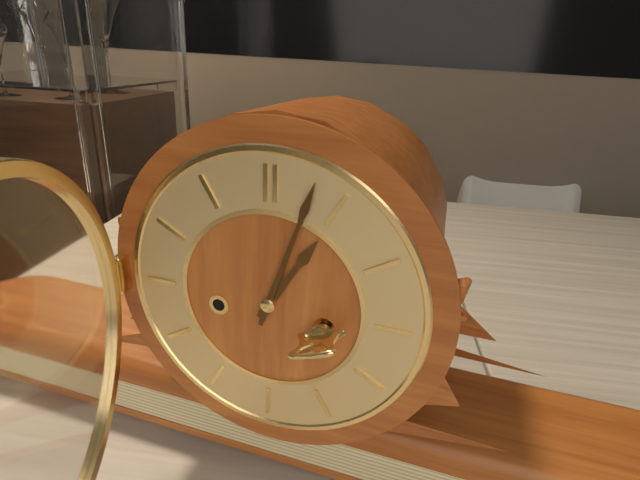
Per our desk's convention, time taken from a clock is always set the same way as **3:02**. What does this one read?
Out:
**1:03**
